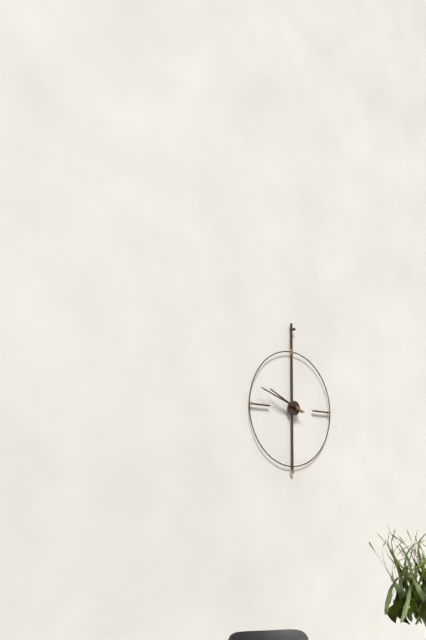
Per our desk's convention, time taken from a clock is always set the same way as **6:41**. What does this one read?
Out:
**9:48**
